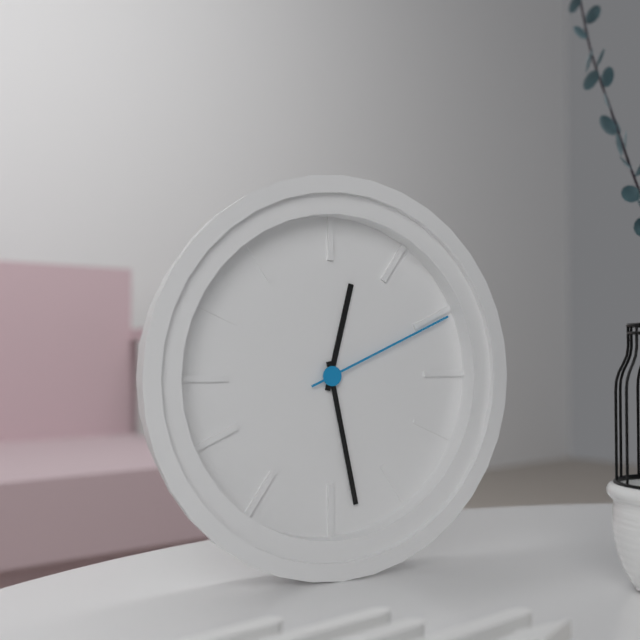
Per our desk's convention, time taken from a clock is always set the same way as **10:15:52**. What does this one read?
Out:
**12:28:11**
